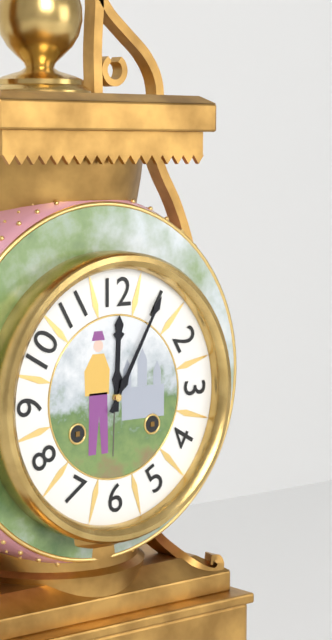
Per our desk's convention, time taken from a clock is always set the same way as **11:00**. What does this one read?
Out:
**12:05**
